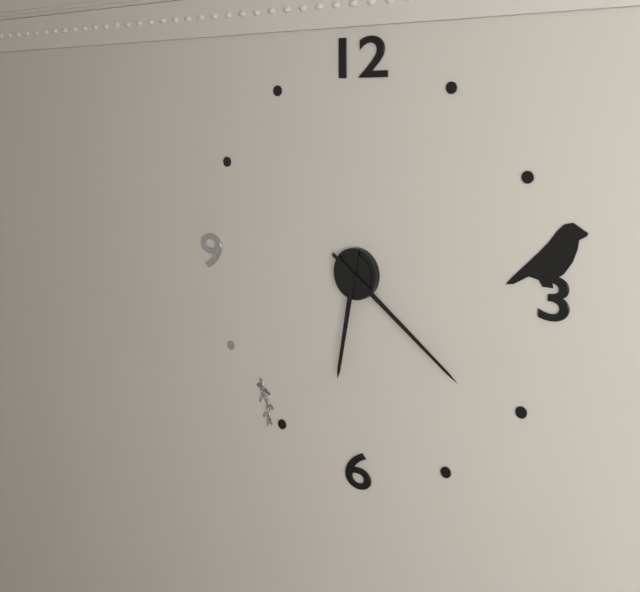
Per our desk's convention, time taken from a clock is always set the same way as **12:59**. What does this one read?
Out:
**6:21**
